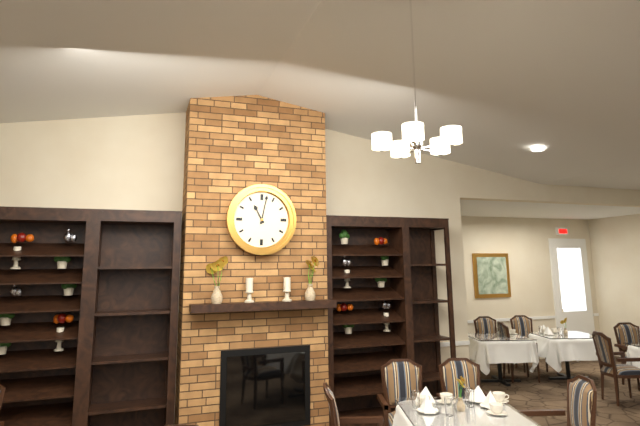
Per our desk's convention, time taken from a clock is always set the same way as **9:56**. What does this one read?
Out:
**11:02**
